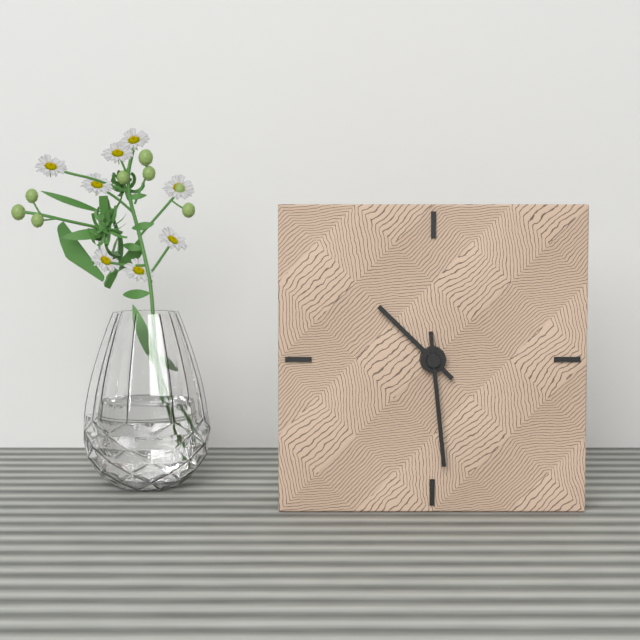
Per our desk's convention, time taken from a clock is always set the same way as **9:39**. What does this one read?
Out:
**10:29**
